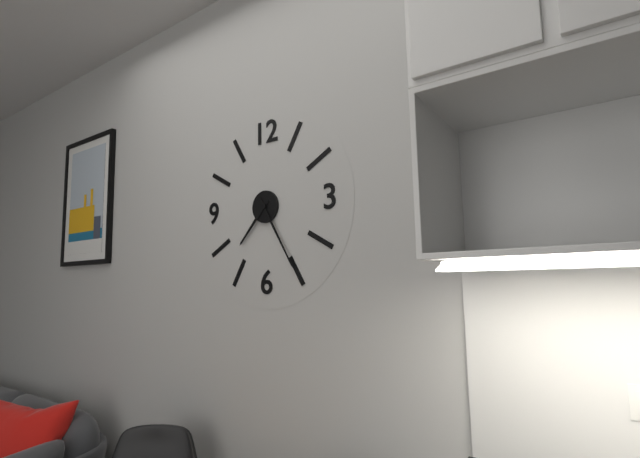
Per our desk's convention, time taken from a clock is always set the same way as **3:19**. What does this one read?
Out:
**7:25**
